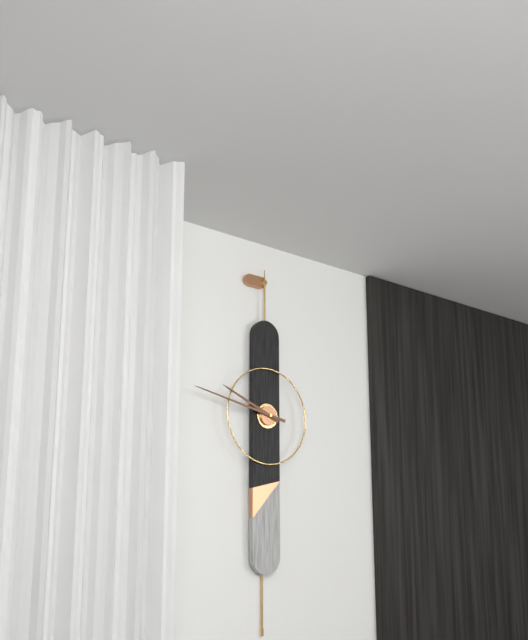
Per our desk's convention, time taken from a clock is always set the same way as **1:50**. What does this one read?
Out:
**9:47**
